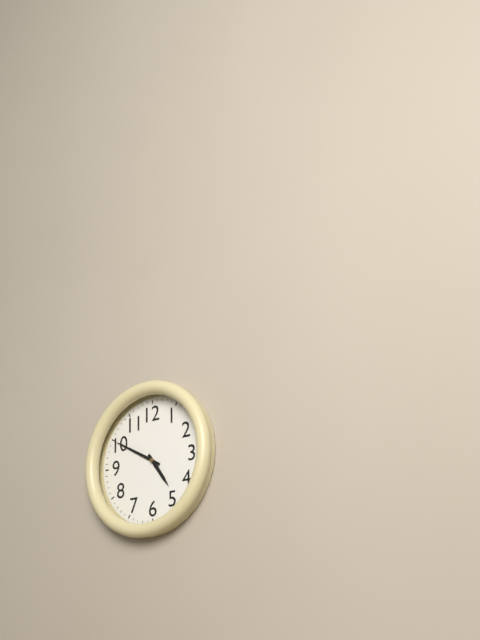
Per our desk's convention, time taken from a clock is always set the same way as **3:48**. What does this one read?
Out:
**4:50**
